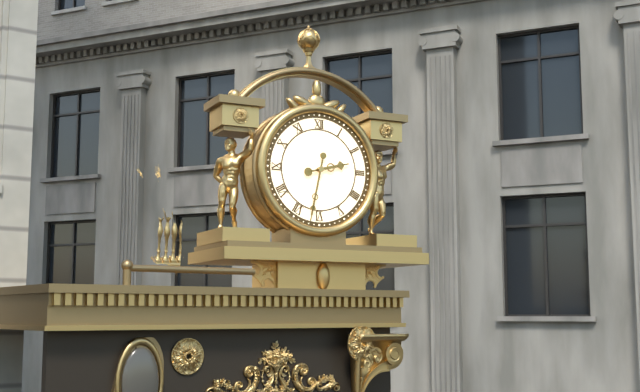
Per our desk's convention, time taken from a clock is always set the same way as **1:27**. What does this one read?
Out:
**2:32**
